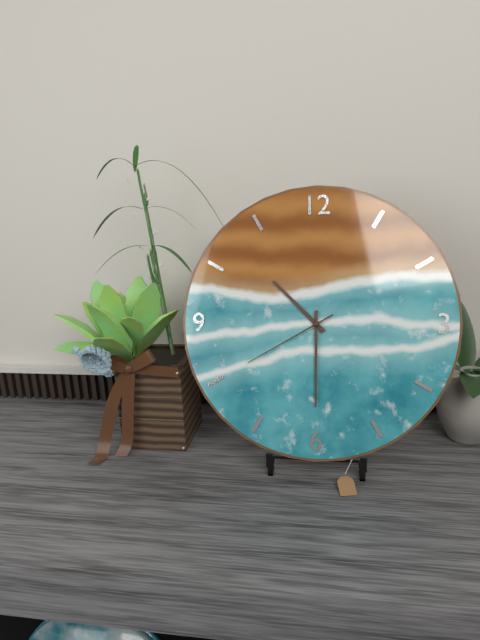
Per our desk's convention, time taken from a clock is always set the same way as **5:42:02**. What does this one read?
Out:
**10:30:40**
